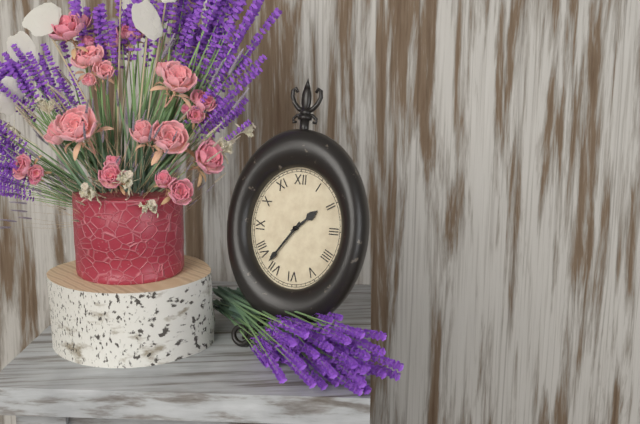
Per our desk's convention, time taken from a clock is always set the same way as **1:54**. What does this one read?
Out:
**1:36**
